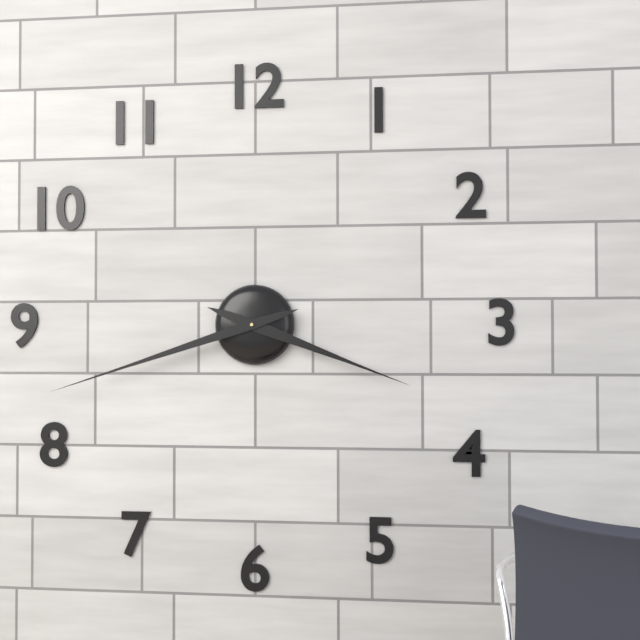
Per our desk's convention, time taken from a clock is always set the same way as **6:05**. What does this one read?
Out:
**3:42**
